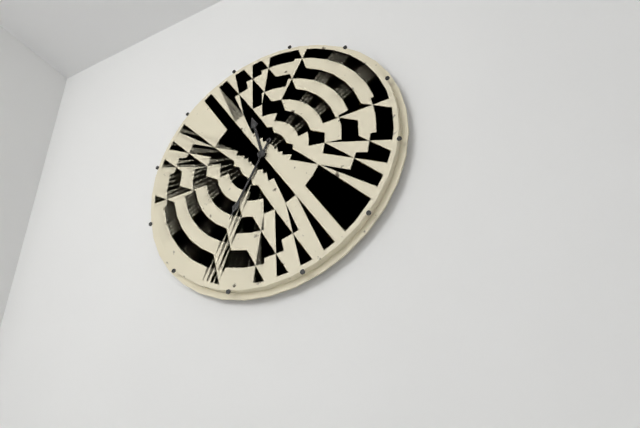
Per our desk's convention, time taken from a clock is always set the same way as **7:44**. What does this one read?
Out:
**11:35**
